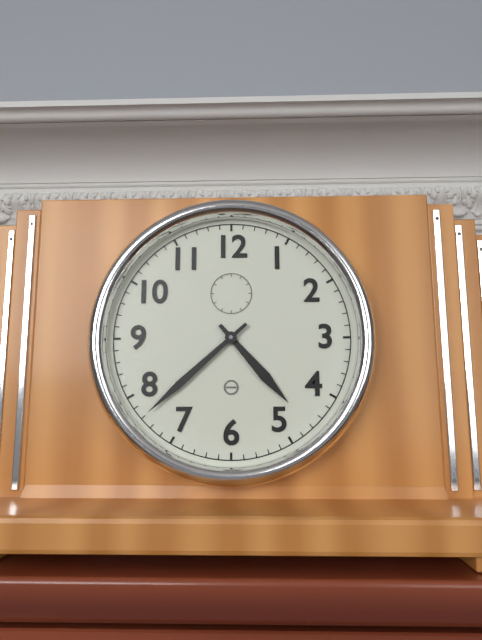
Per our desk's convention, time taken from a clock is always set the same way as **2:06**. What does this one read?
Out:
**4:38**
